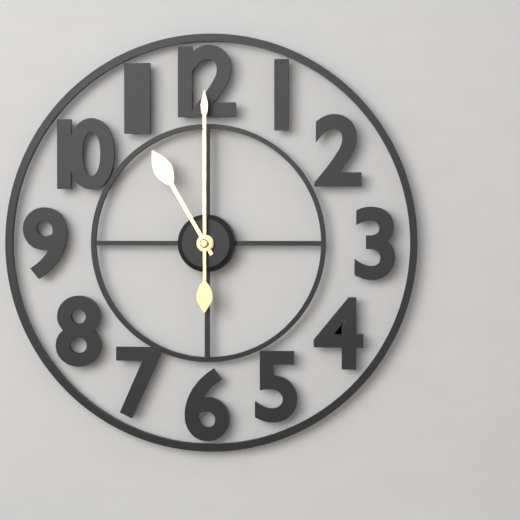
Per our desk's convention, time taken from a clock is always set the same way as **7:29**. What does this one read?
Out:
**11:00**
